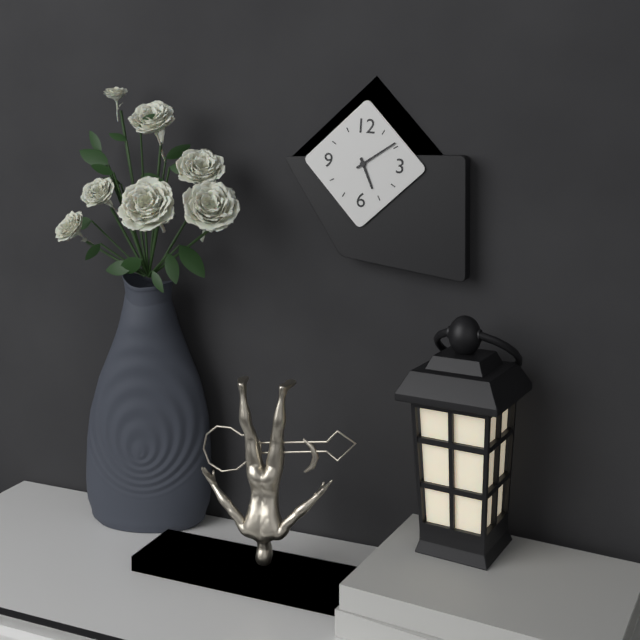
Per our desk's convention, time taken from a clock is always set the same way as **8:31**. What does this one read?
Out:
**5:09**
